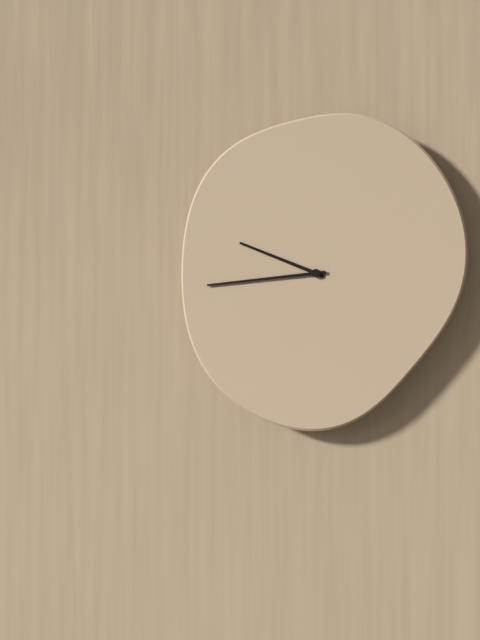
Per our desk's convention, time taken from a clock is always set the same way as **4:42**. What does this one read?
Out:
**9:44**
